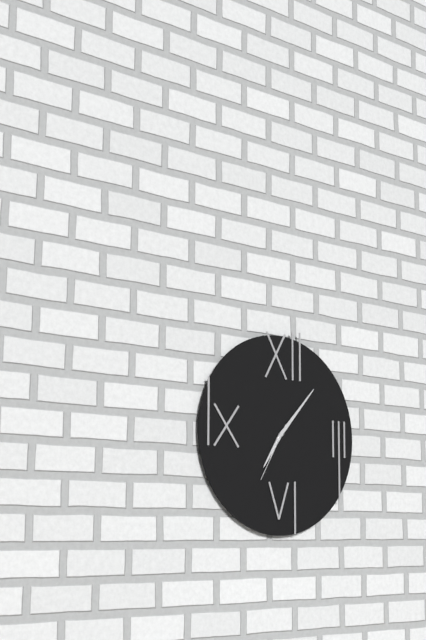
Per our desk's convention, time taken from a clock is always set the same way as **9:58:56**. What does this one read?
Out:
**7:07:35**
